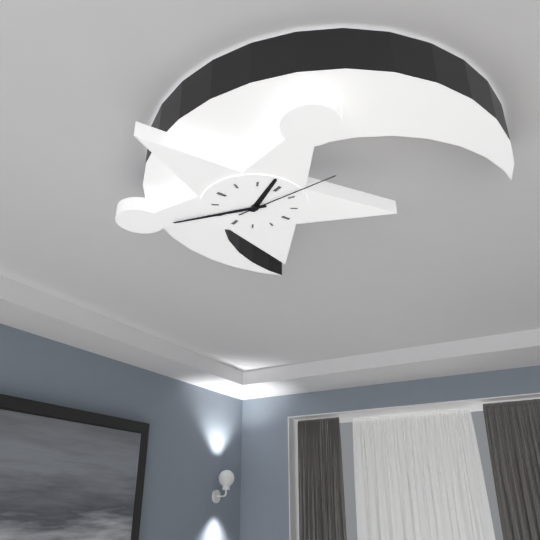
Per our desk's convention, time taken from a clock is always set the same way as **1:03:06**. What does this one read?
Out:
**11:36:03**
